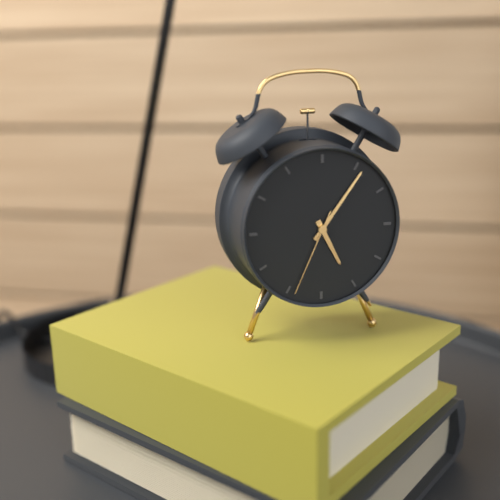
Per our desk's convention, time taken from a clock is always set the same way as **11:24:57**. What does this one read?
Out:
**5:06:34**
